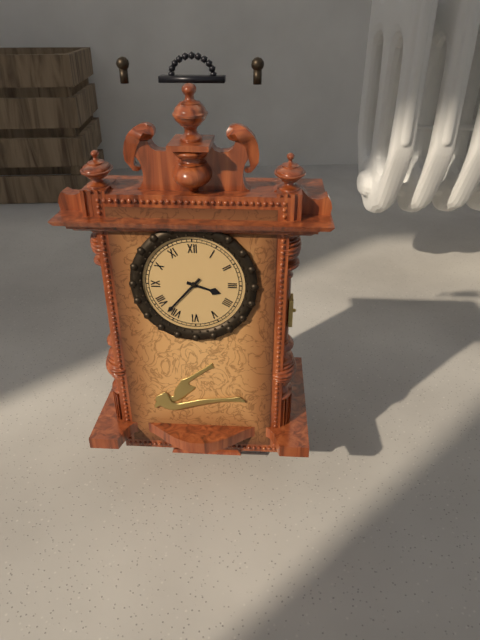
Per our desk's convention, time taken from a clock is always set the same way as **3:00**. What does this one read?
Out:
**3:37**
